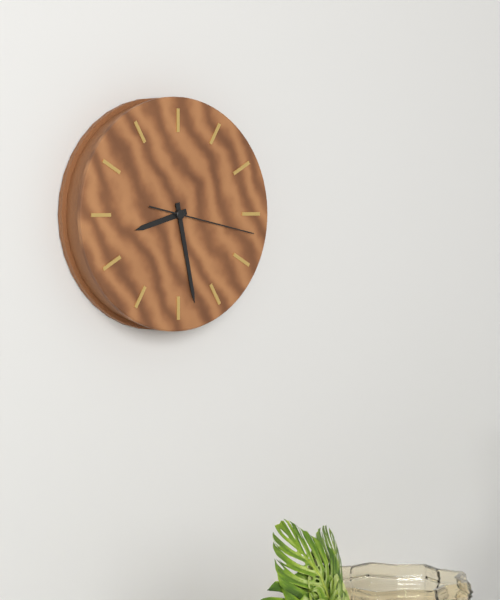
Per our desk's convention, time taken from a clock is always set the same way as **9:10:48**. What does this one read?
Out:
**8:28:17**
